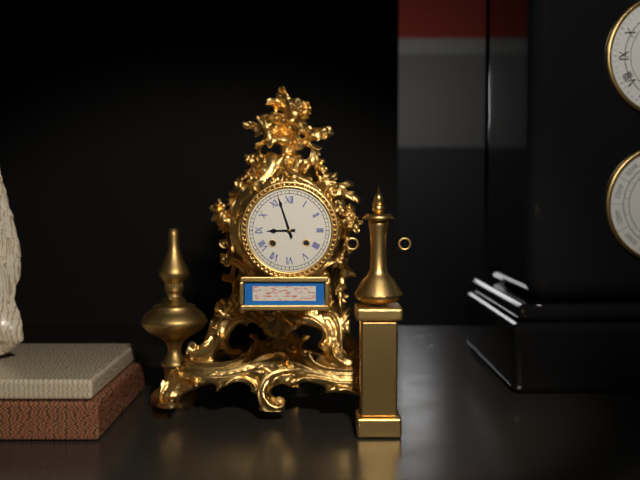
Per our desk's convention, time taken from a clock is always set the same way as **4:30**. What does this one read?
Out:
**8:57**
